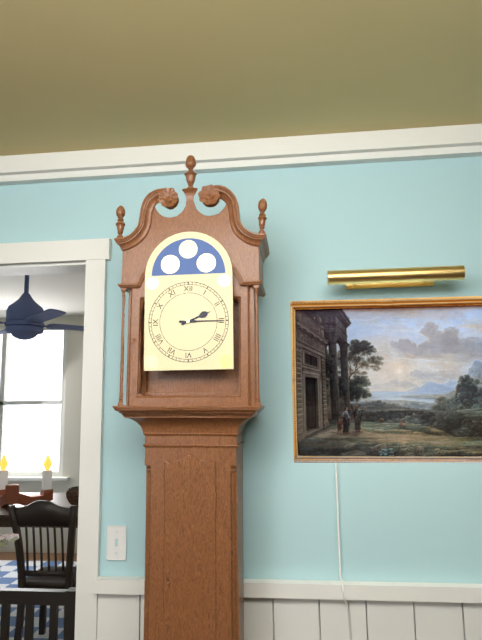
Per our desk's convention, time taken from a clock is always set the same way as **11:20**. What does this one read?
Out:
**2:15**
